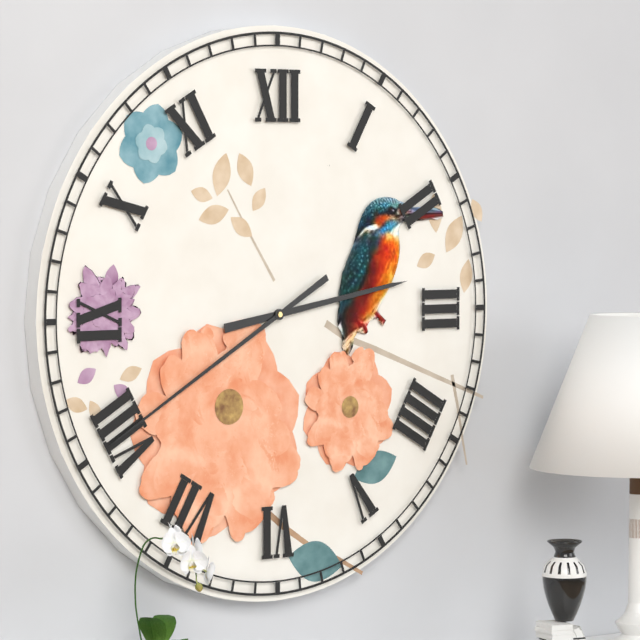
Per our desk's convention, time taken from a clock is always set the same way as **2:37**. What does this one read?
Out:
**2:40**
